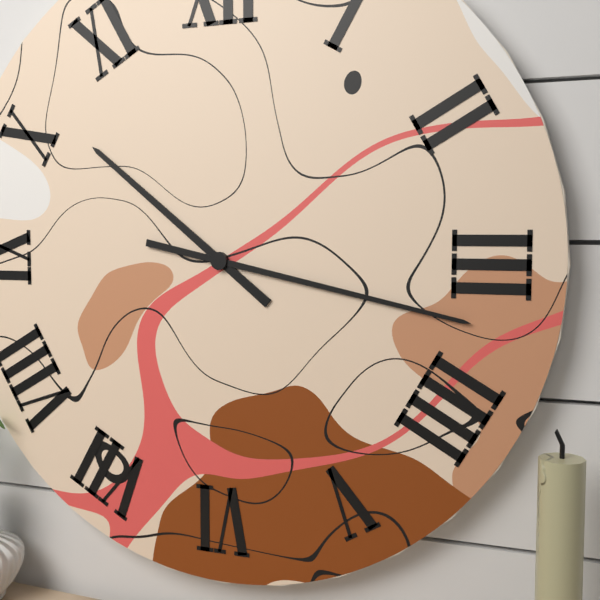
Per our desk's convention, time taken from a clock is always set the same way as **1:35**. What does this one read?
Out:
**10:17**
